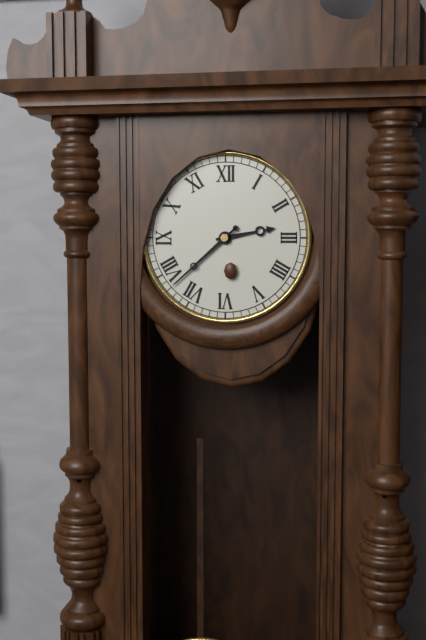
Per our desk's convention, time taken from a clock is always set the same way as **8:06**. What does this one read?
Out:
**2:38**
